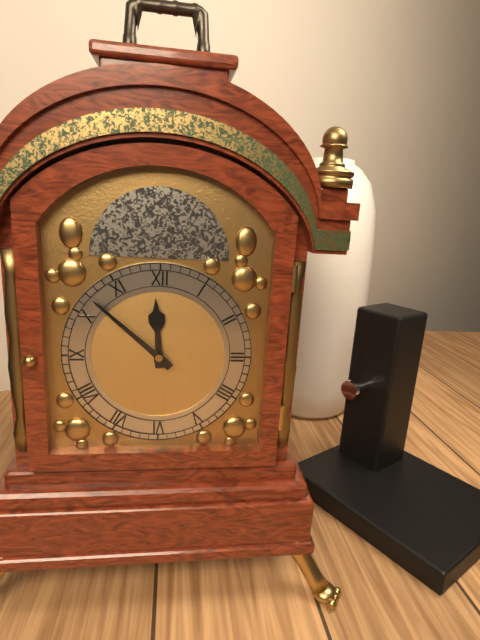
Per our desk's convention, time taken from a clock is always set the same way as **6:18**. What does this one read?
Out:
**11:52**
